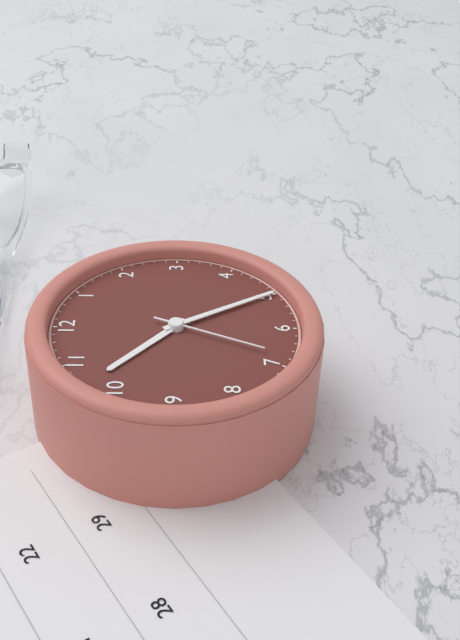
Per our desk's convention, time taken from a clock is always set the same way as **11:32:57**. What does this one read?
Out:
**10:25:34**
